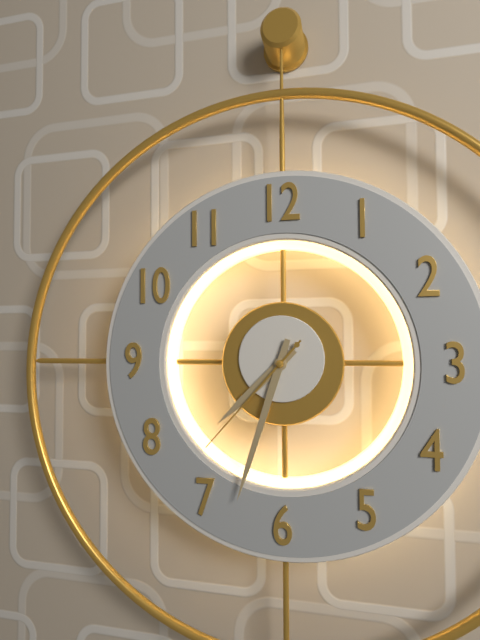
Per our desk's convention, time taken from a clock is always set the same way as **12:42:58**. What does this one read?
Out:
**7:33:37**
